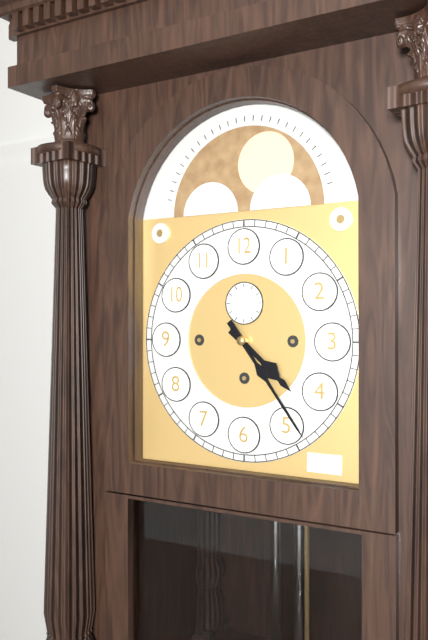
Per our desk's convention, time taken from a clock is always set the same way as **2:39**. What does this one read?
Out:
**4:24**
